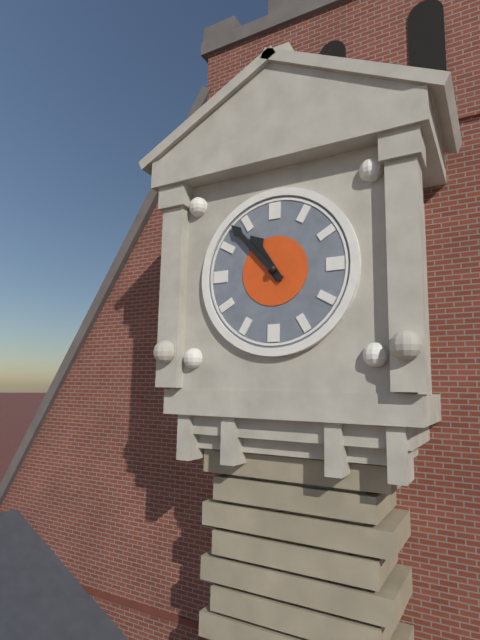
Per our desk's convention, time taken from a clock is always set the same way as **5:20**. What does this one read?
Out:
**10:53**
